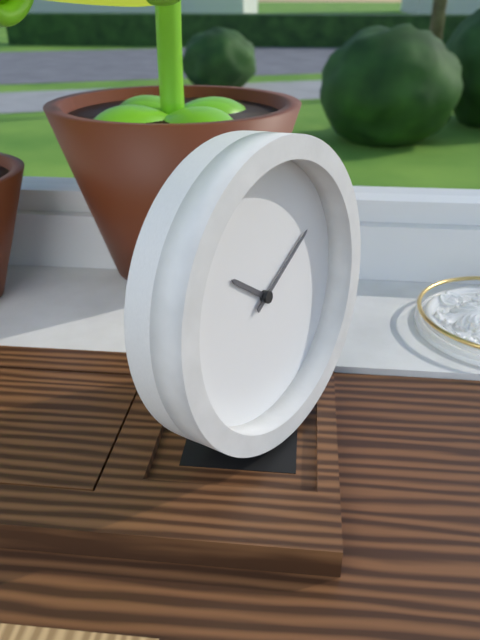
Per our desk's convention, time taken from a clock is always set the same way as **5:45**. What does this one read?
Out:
**10:10**
